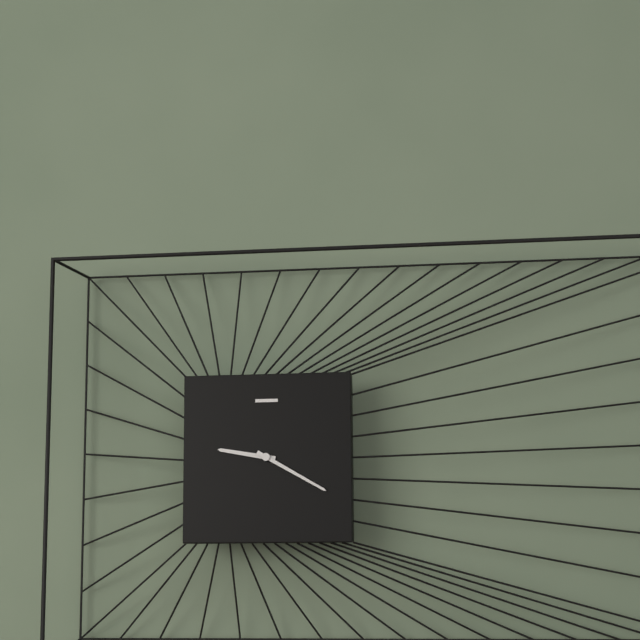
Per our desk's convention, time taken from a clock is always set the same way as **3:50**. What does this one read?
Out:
**9:20**
